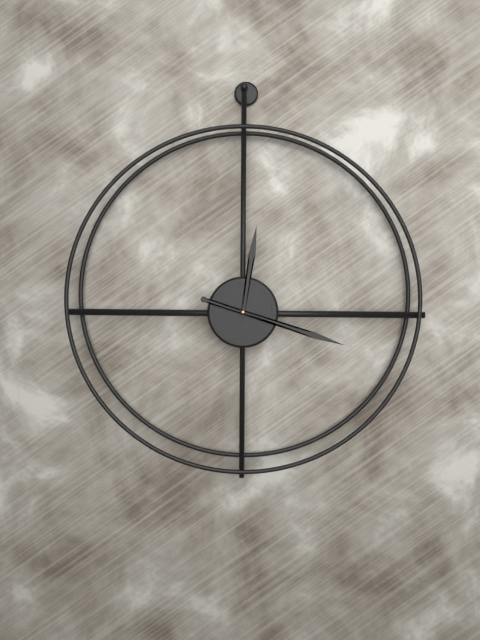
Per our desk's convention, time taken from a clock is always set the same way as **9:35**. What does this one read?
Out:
**12:18**
